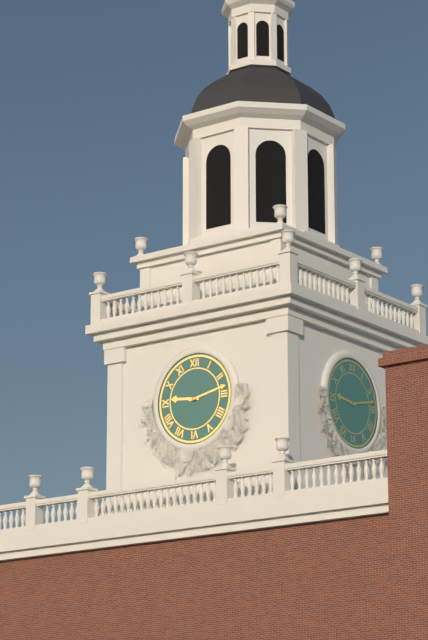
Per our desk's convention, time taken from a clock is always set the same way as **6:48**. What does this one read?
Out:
**9:13**
